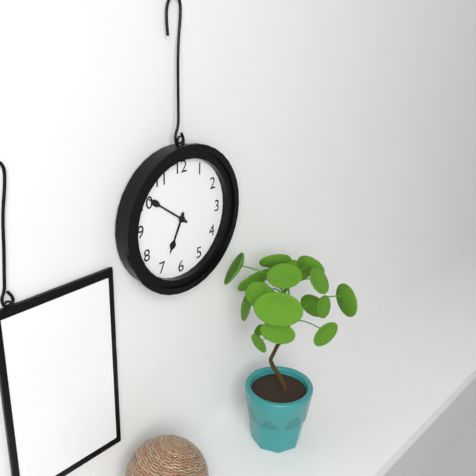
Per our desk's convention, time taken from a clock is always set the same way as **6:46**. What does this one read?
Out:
**6:51**
